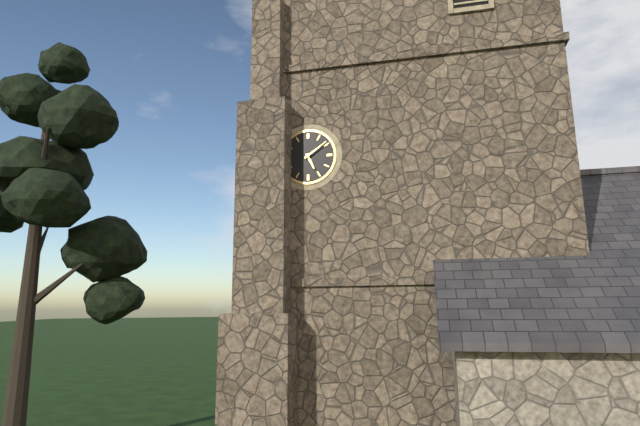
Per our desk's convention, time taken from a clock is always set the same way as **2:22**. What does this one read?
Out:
**5:09**
